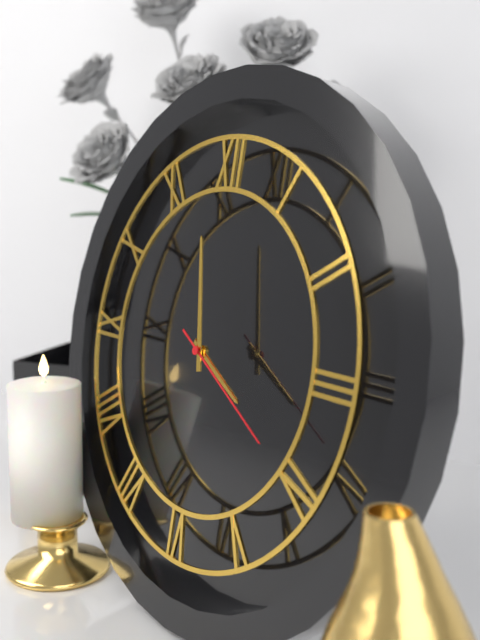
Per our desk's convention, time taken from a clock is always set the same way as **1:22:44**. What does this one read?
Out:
**3:58:20**
